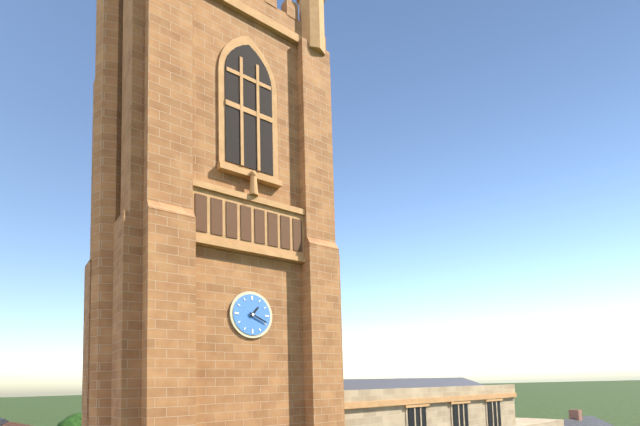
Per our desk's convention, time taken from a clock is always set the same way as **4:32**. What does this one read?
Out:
**1:19**
